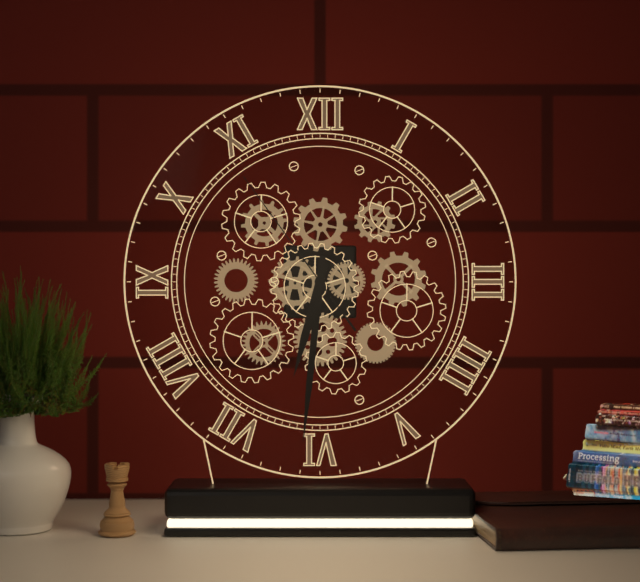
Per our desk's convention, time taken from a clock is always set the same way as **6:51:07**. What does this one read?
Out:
**6:31:54**
